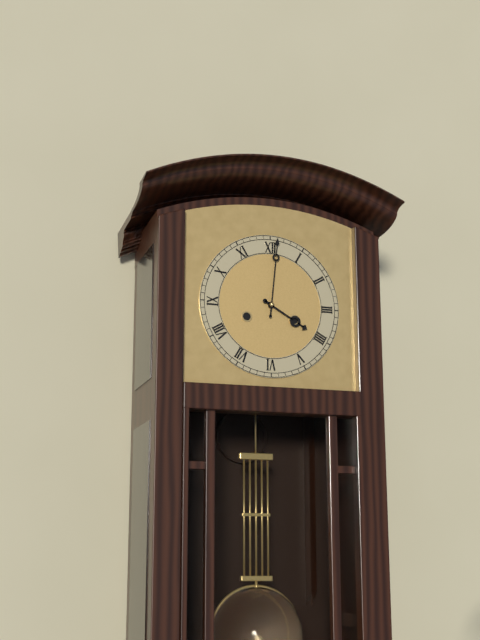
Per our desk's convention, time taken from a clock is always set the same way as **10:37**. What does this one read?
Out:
**4:01**
